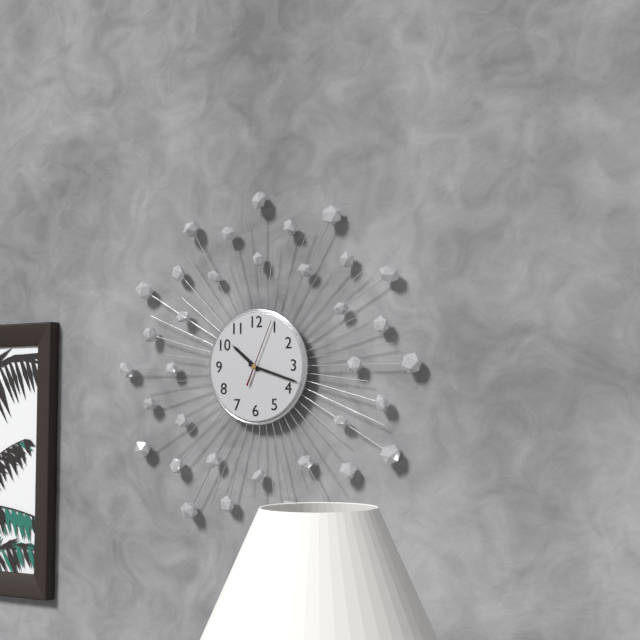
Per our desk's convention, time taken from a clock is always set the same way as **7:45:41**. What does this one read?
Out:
**10:18:04**
